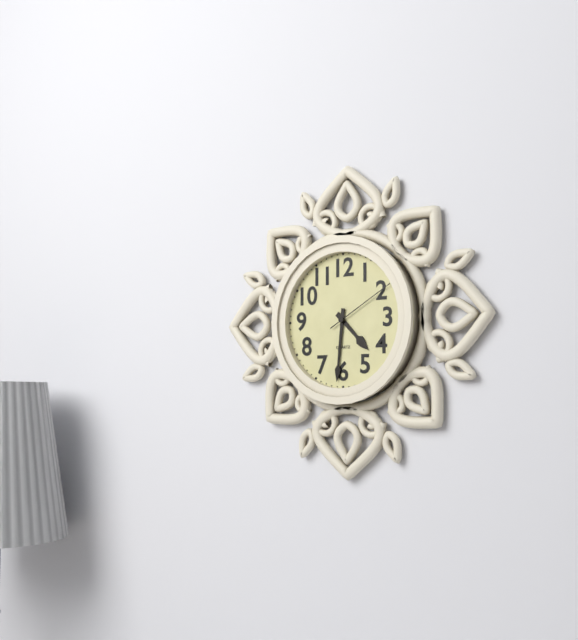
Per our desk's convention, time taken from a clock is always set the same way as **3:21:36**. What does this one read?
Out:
**4:31:10**
